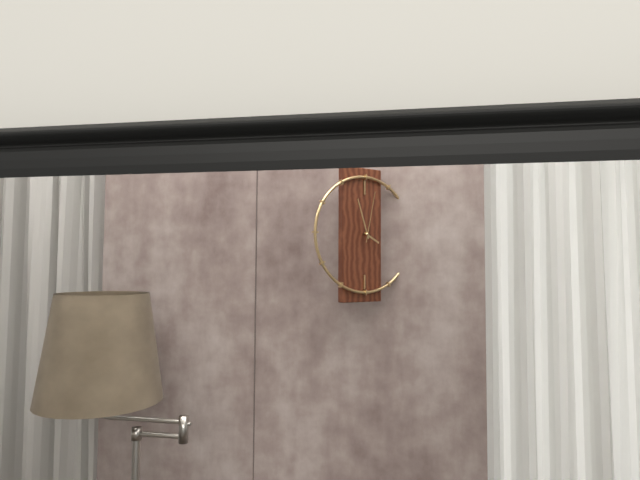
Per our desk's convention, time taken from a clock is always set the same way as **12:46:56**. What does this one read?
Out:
**3:57:02**
